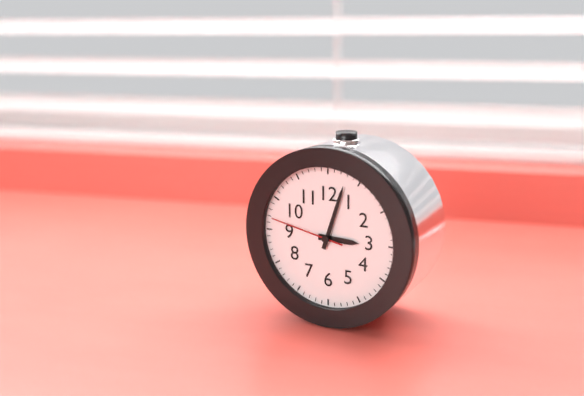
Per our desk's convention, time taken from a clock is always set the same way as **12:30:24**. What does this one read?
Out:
**3:03:47**
